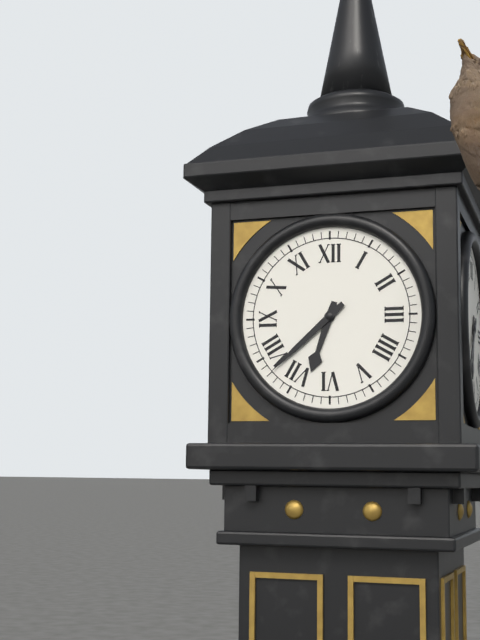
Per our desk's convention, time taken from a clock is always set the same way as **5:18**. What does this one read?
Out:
**6:38**
